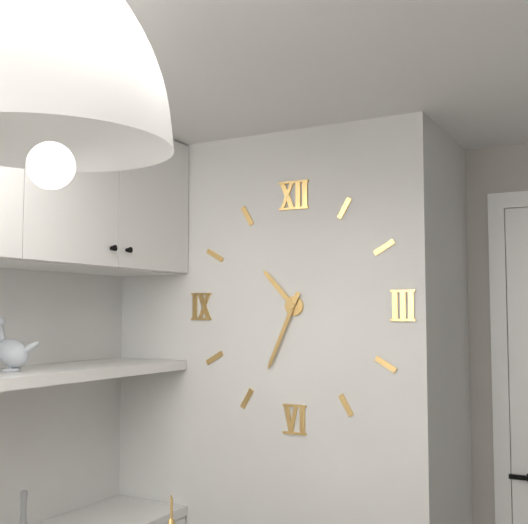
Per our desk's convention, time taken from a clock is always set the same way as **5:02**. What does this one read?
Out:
**10:34**
